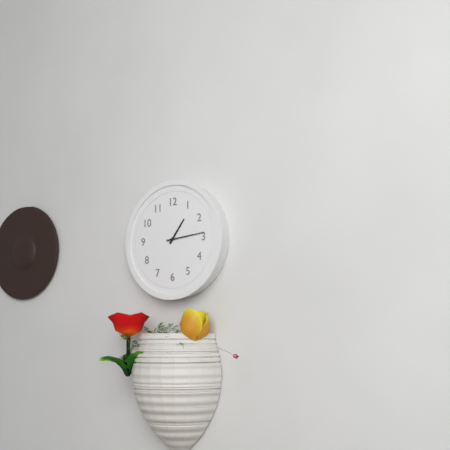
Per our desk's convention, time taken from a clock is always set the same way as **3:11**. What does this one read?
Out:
**1:14**
